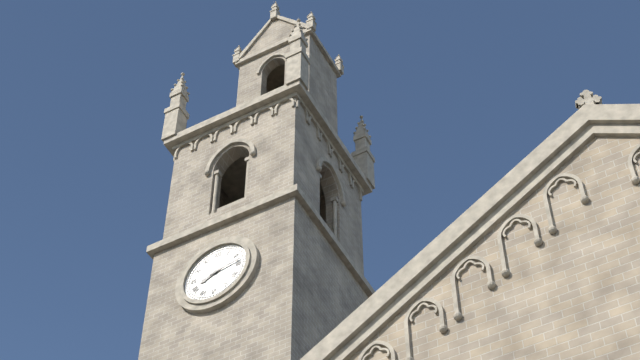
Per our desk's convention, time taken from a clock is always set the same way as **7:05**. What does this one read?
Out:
**8:13**
